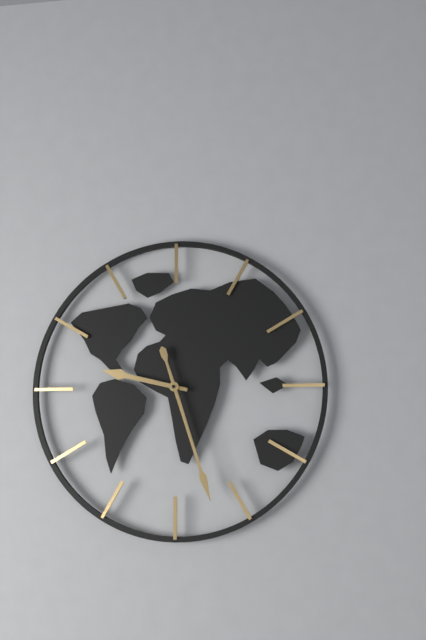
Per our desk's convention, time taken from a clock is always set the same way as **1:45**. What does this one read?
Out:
**9:27**
